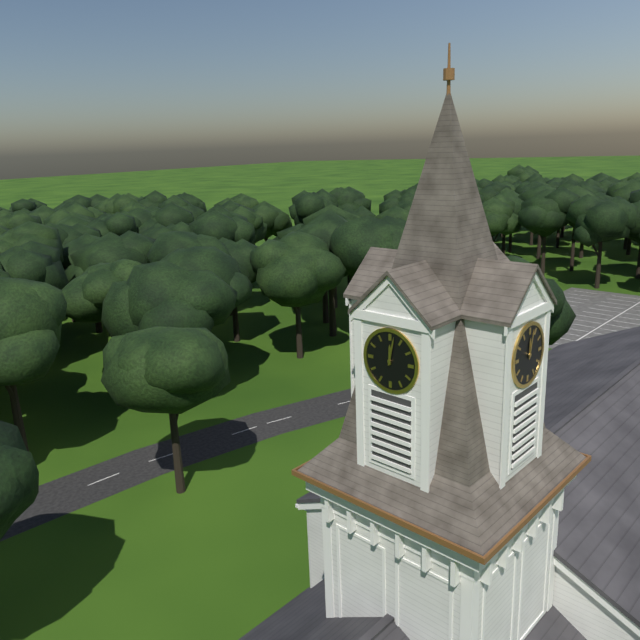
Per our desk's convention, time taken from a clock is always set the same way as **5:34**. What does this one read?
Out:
**12:02**
